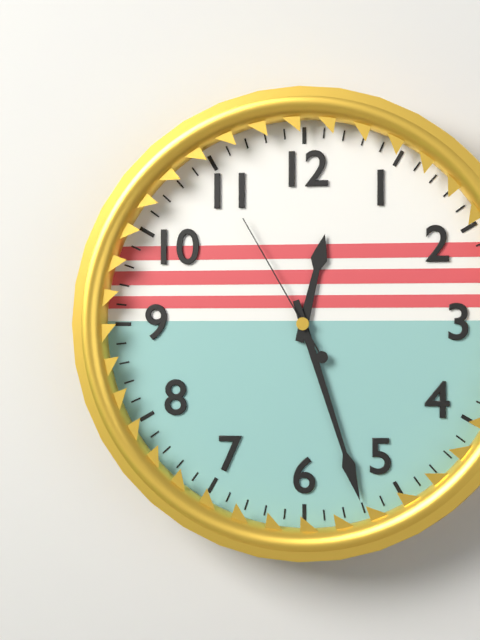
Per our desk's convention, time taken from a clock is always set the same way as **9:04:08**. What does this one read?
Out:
**12:27:55**
